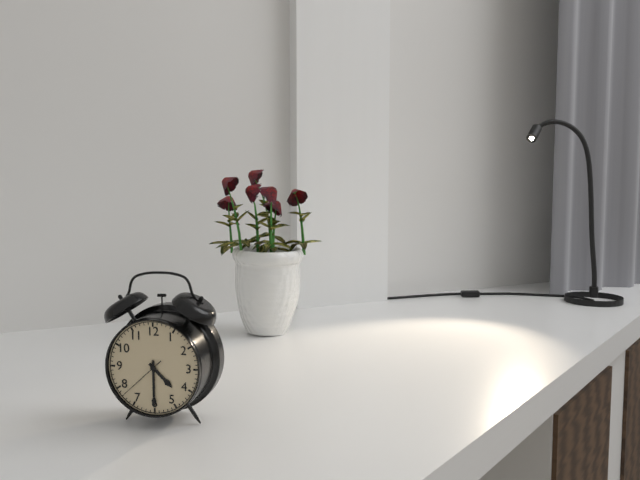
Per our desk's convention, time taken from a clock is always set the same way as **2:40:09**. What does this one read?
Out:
**4:30:38**
